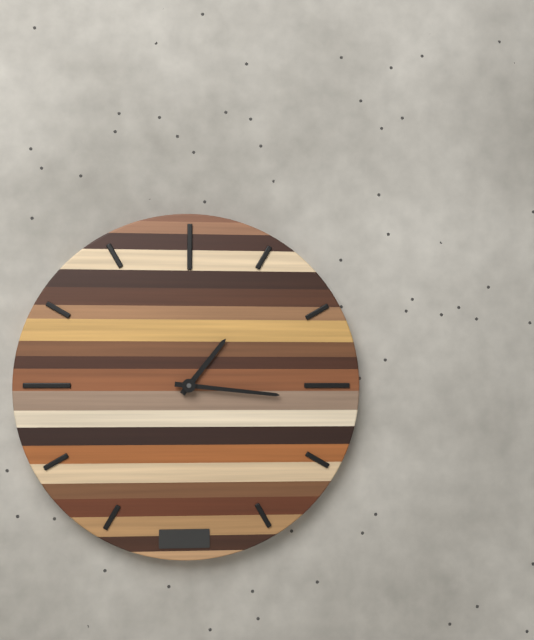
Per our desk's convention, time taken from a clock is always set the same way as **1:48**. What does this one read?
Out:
**1:16**
